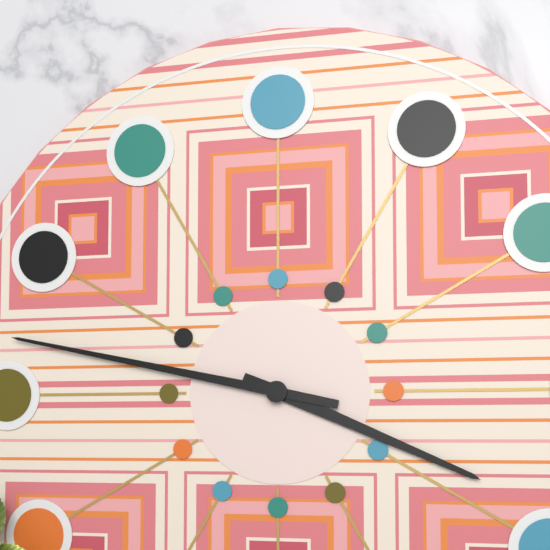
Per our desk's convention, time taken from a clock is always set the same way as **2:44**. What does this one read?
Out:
**3:47**
